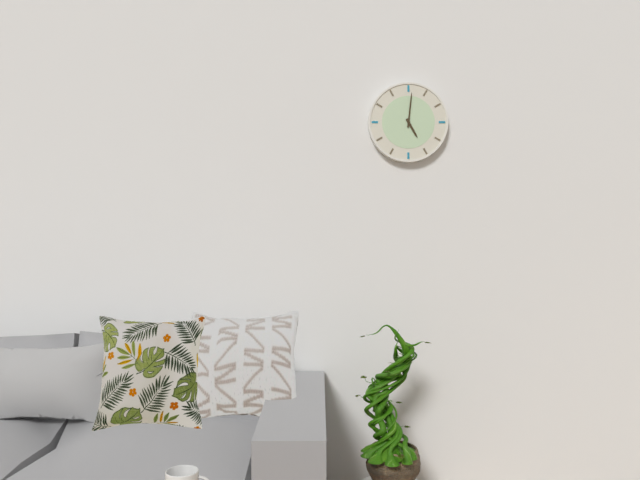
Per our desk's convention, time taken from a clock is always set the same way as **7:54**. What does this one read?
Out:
**5:01**
